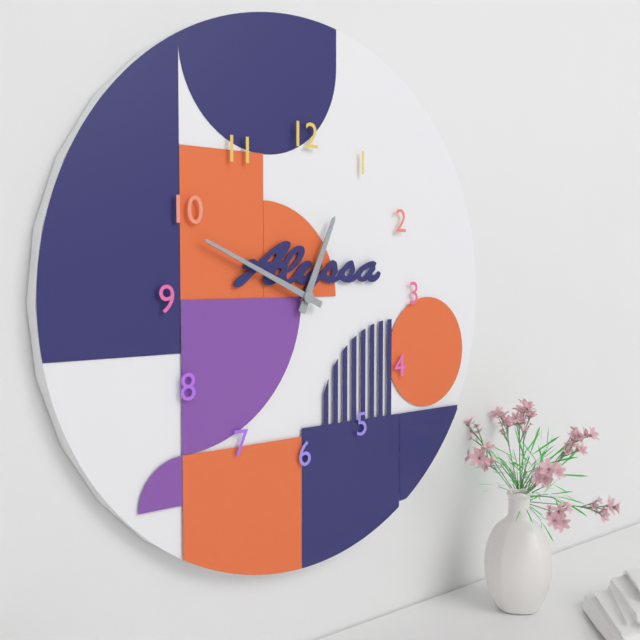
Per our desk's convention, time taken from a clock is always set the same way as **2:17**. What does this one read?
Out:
**12:49**
